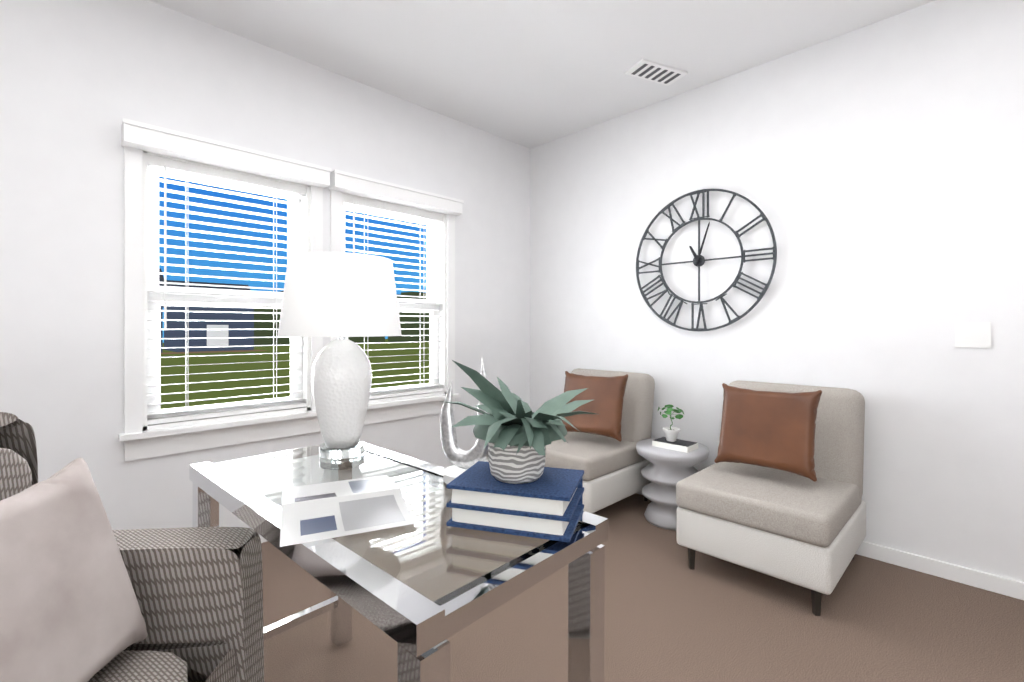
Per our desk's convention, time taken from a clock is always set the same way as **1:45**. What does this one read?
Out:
**11:03**
